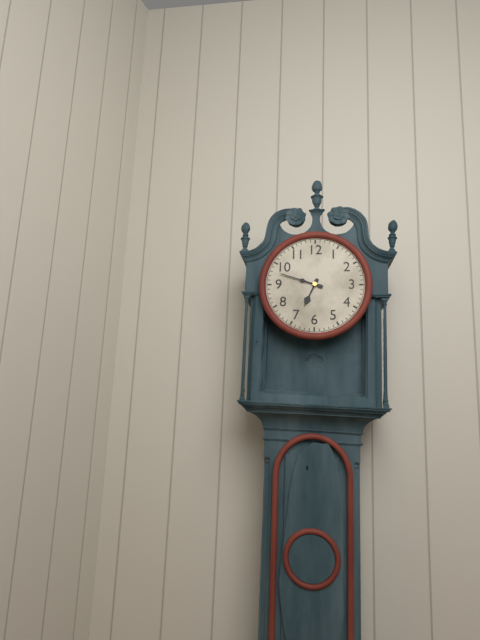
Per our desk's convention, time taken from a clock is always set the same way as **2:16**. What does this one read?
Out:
**6:48**
